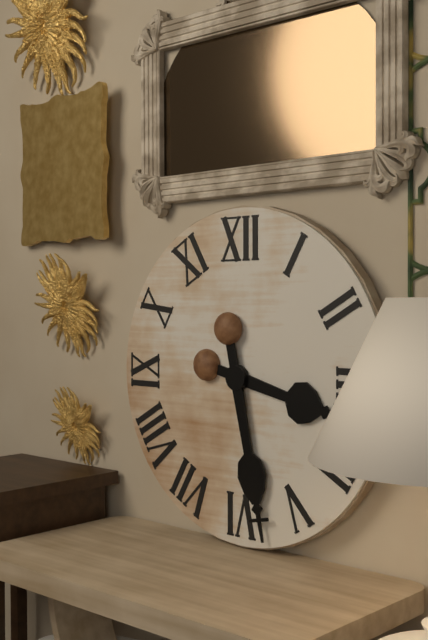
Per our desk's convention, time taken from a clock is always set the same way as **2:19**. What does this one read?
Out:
**3:28**
